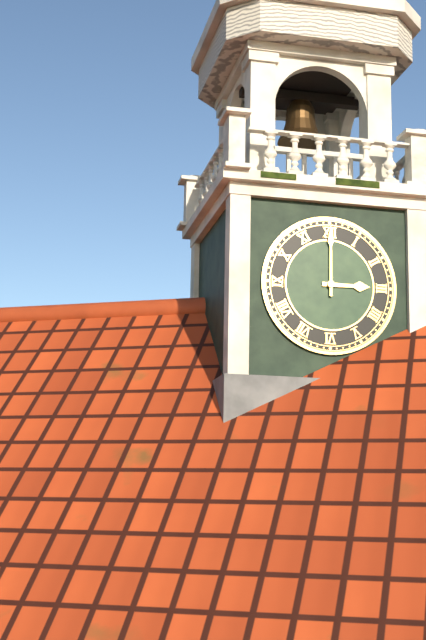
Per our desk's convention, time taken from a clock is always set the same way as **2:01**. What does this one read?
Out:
**3:00**
